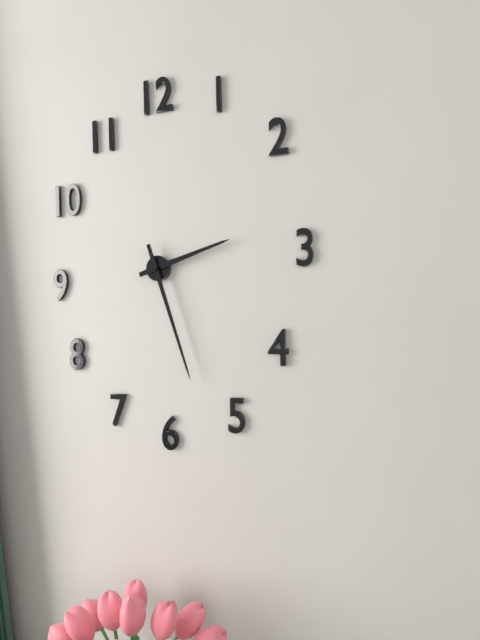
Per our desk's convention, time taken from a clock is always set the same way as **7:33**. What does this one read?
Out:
**2:27**
